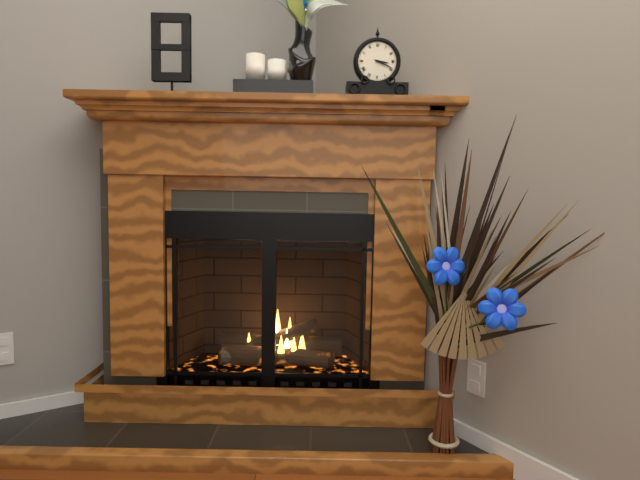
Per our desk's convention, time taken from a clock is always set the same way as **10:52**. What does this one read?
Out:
**3:19**
